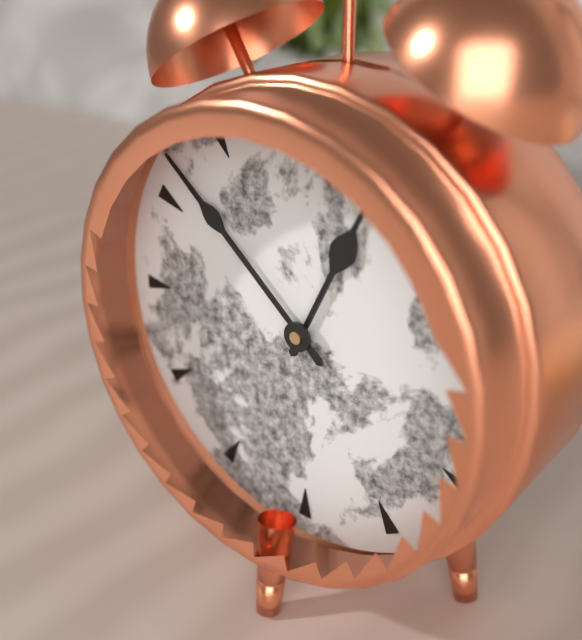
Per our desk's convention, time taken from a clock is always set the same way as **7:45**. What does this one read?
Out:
**12:52**
